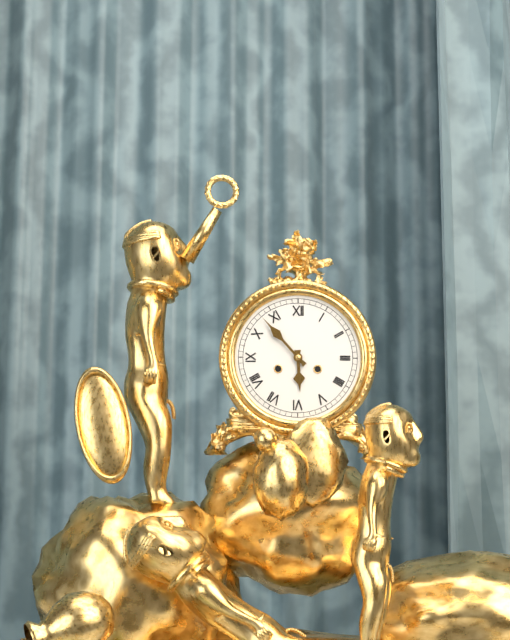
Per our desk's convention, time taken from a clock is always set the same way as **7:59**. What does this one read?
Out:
**5:53**
